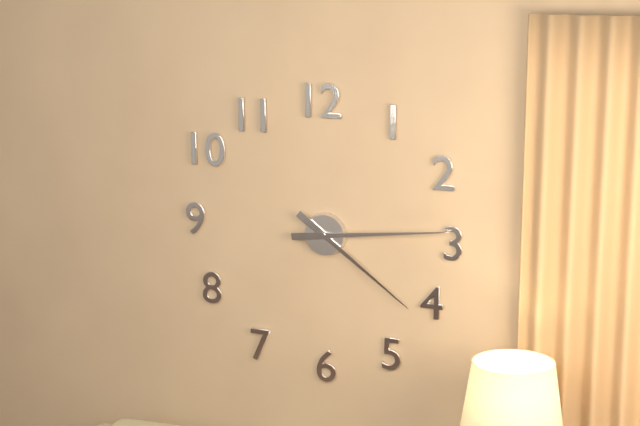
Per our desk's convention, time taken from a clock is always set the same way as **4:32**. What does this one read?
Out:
**4:14**
